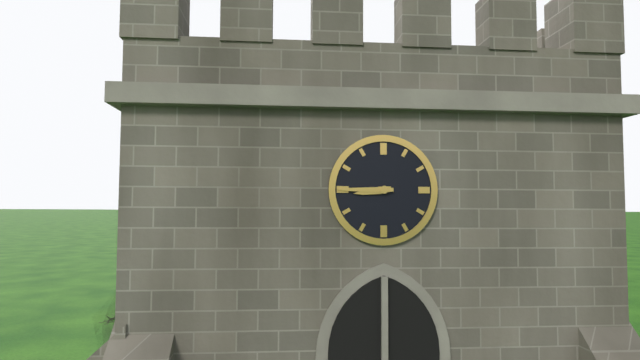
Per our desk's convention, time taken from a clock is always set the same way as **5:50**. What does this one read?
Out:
**8:45**
